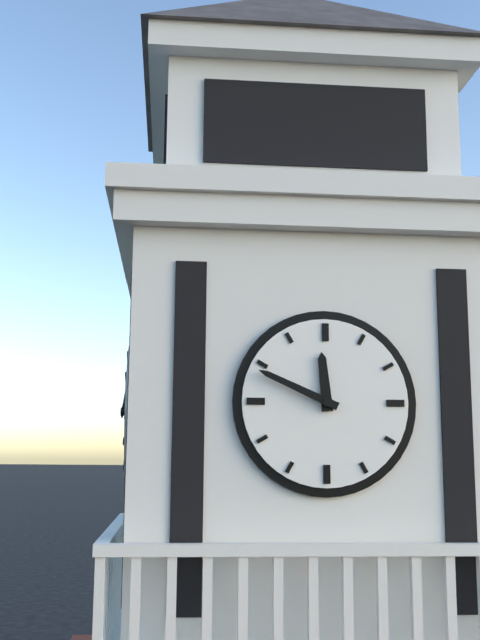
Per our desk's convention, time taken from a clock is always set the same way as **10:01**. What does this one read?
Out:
**11:49**
